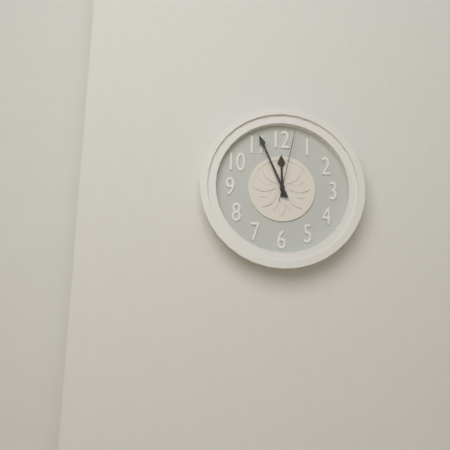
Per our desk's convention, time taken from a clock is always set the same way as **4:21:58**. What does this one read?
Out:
**11:56:02**
